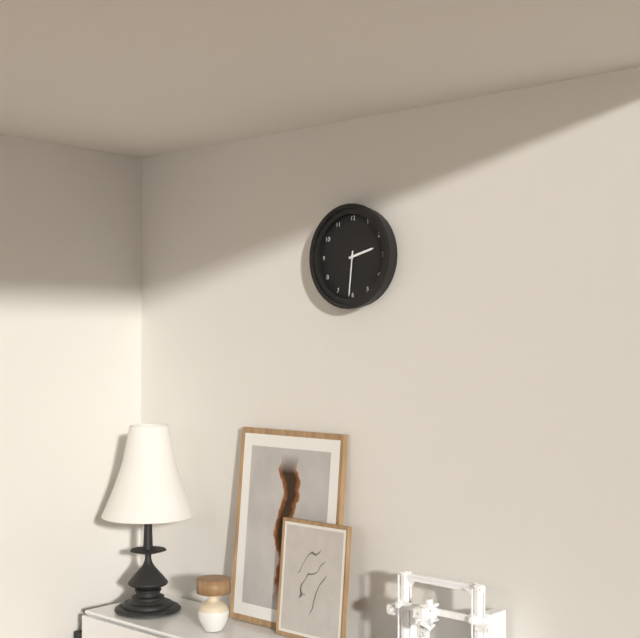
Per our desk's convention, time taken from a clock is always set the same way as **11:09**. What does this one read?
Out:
**2:31**
